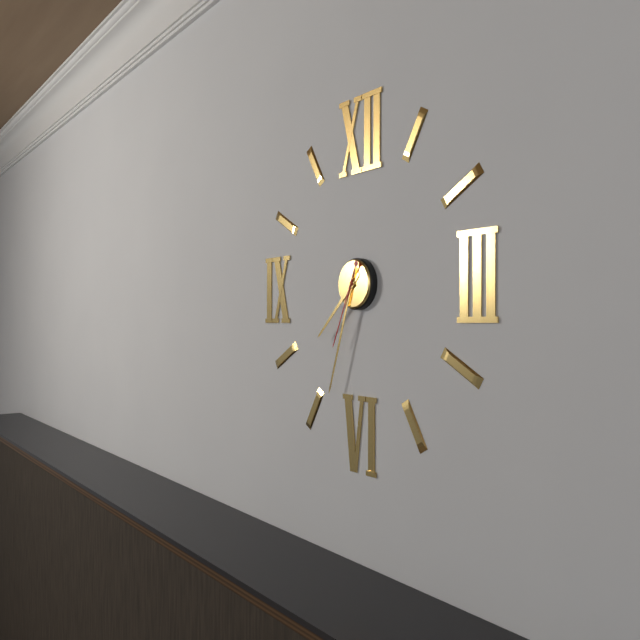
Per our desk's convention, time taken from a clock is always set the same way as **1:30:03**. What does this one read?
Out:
**7:33:34**
